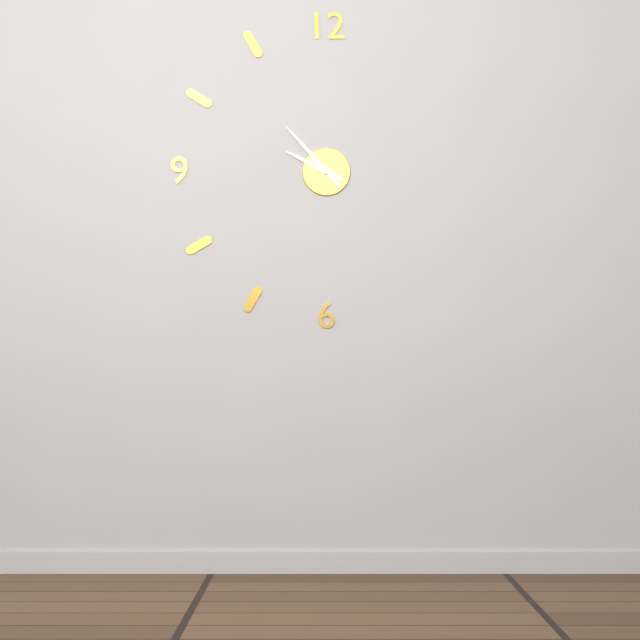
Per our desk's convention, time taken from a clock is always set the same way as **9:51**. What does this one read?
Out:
**9:53**
